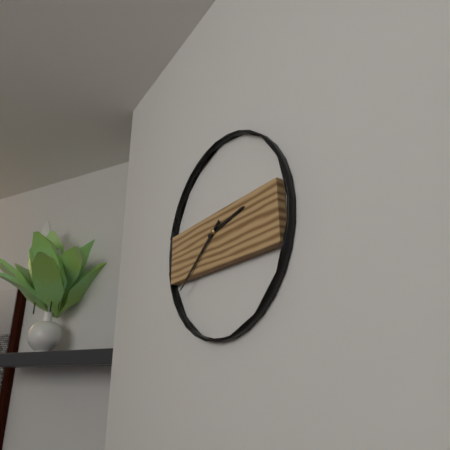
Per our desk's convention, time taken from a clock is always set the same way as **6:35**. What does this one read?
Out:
**2:39**
